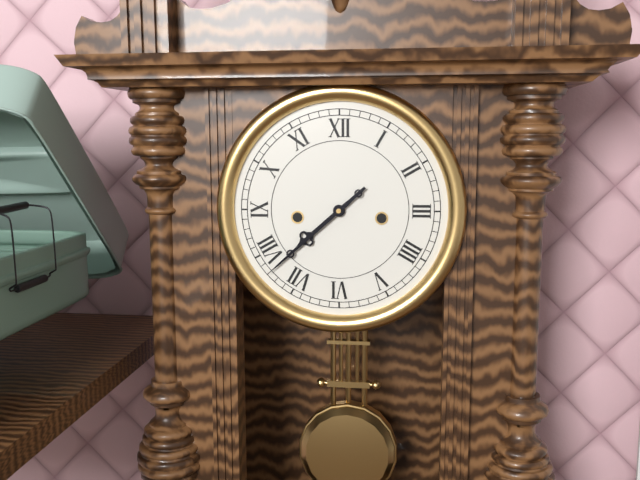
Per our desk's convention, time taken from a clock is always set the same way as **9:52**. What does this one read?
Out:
**7:38**
